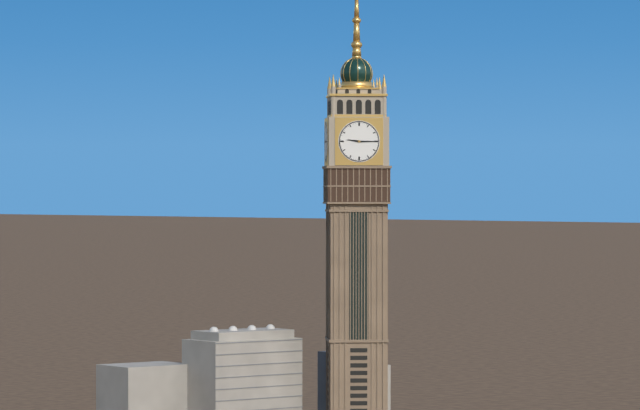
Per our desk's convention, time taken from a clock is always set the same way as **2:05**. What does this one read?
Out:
**9:15**
